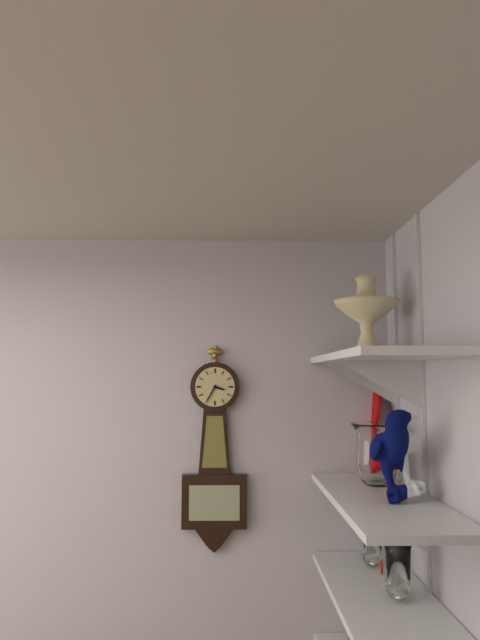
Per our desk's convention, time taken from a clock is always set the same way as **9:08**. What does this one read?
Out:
**3:35**
